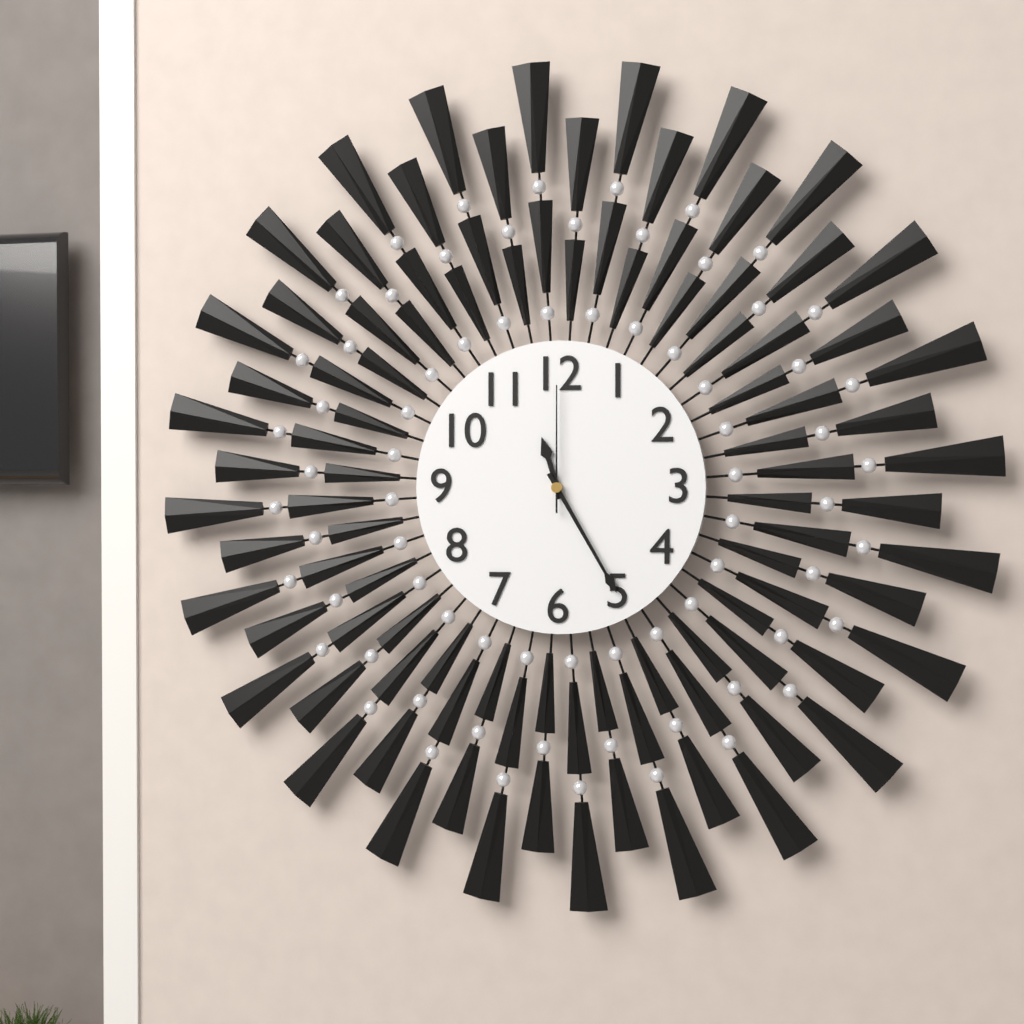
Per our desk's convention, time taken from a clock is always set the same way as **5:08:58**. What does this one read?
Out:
**11:25:00**
